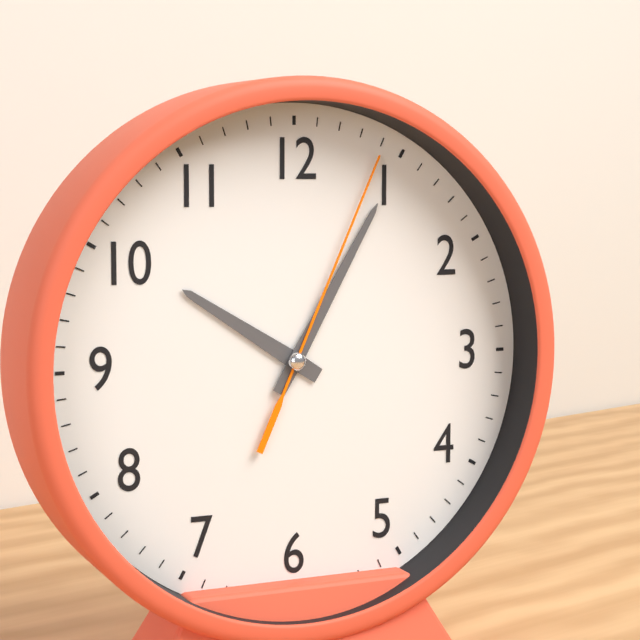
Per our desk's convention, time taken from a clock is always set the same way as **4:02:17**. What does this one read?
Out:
**10:05:04**
